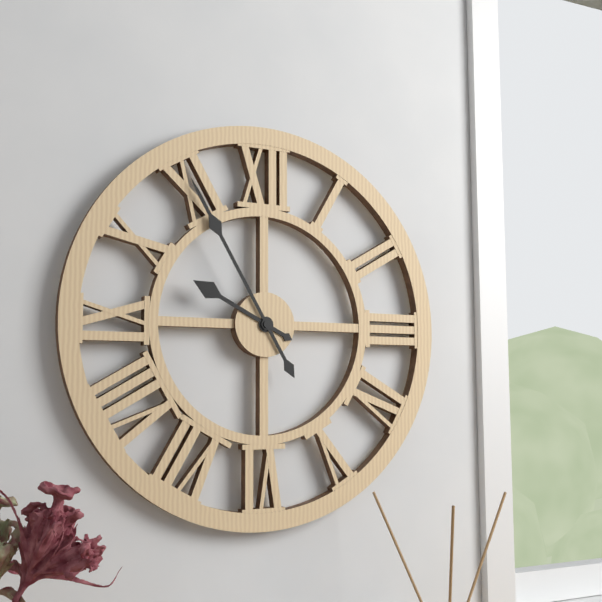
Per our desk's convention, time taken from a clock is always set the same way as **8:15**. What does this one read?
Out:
**9:55**
